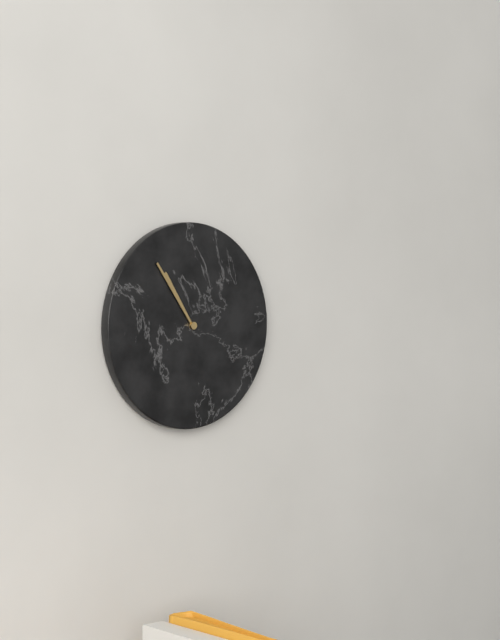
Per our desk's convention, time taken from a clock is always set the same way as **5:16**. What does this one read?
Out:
**10:54**
